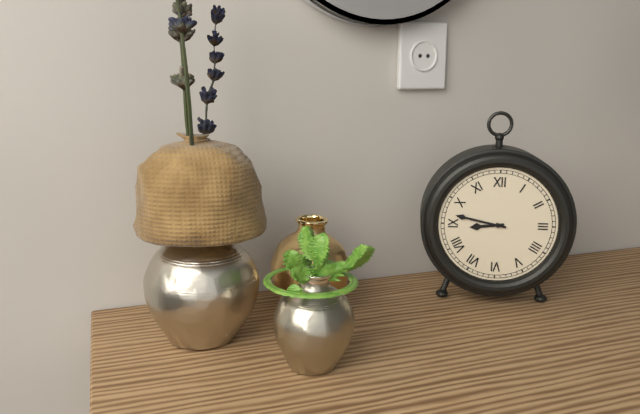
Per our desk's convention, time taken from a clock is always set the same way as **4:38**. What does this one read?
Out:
**8:47**
